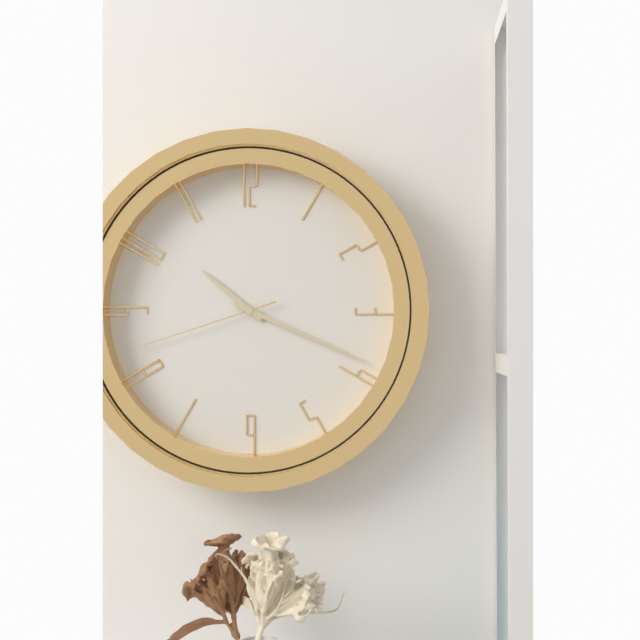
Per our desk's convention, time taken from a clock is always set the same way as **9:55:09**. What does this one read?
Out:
**10:19:42**
